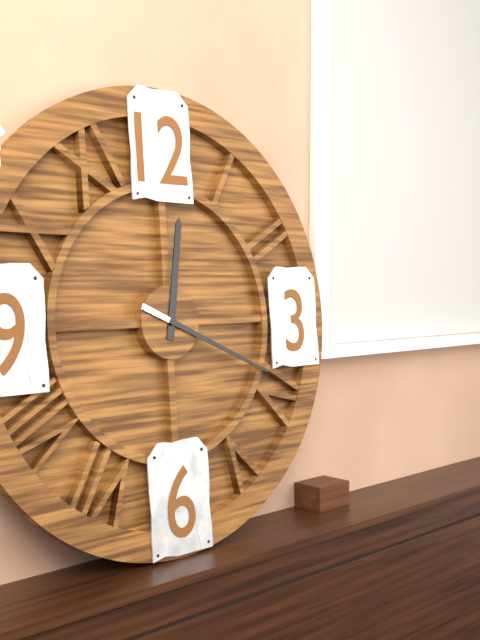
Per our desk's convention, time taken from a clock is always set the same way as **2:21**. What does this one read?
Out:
**12:19**
